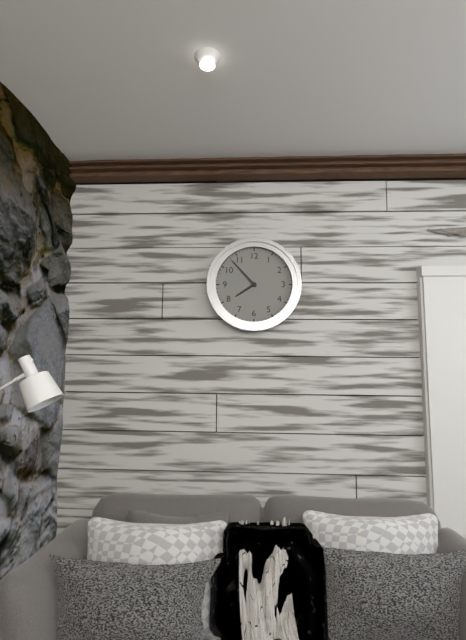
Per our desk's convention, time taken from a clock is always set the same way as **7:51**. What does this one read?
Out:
**7:53**
